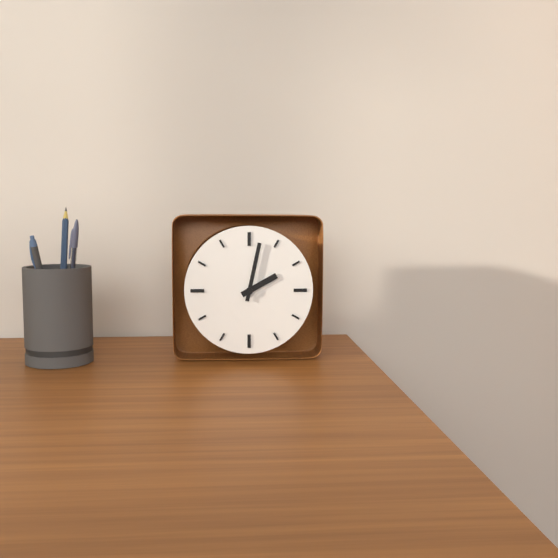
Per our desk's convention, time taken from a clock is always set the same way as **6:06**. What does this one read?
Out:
**2:02**
